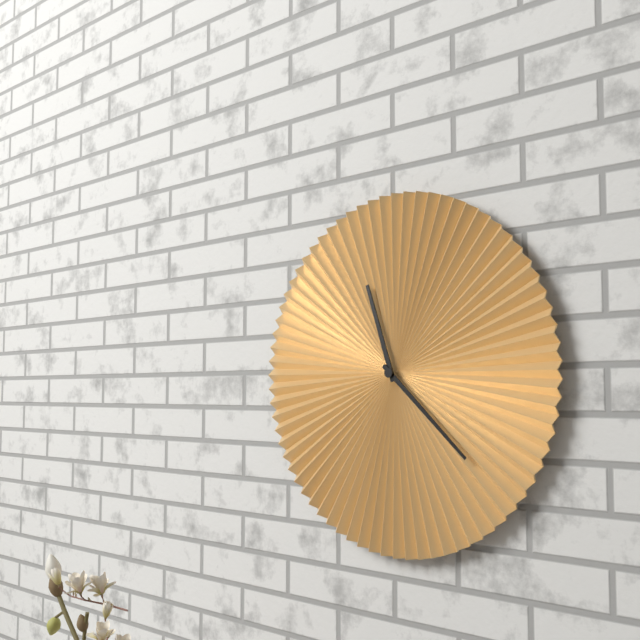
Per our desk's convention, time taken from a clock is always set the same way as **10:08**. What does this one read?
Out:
**11:22**
